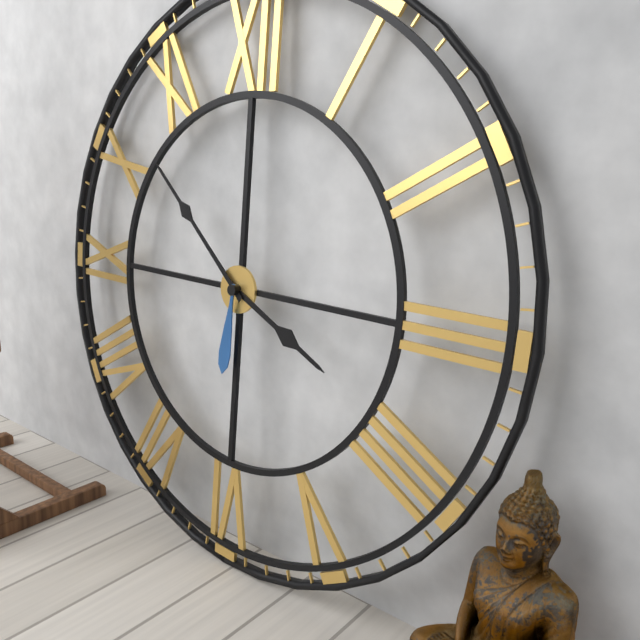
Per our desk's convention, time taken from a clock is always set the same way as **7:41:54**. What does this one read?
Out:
**3:52:31**
